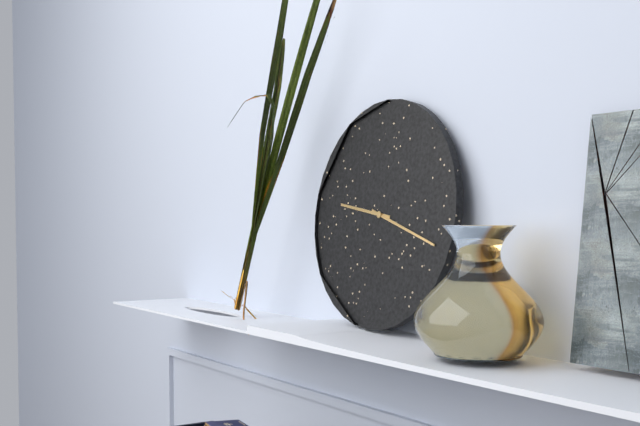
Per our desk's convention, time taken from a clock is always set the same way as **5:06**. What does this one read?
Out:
**9:18**
